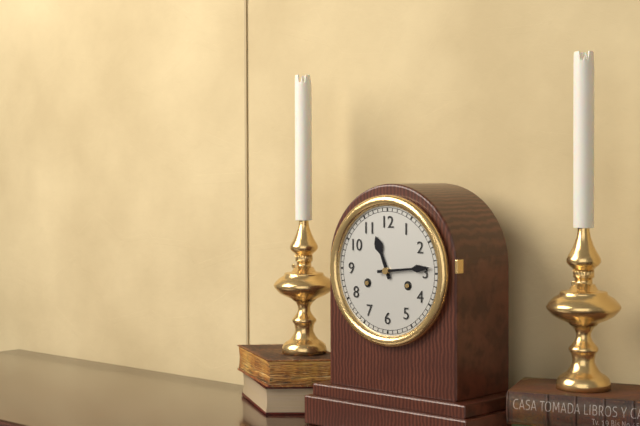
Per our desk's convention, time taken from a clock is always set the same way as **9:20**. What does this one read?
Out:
**11:14**
